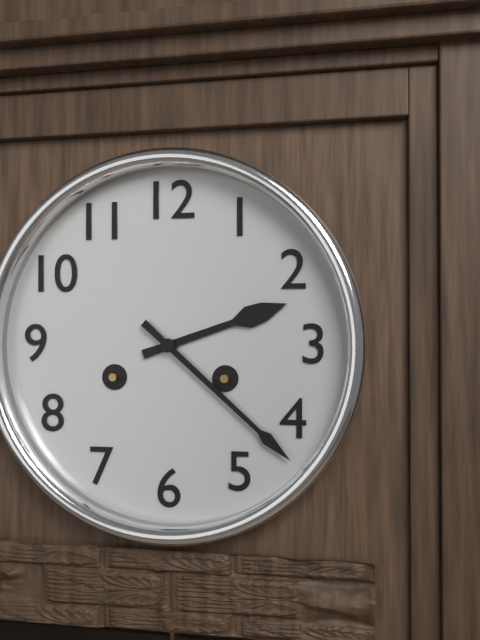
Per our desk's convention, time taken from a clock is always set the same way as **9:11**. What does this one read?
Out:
**2:22**
